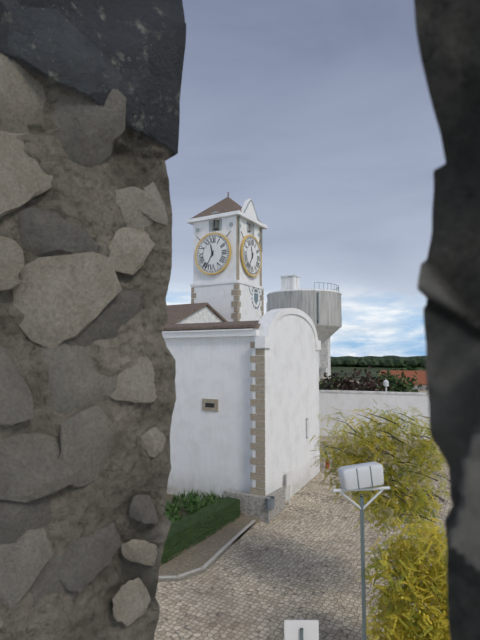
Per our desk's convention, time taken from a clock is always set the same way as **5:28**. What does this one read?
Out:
**11:35**
